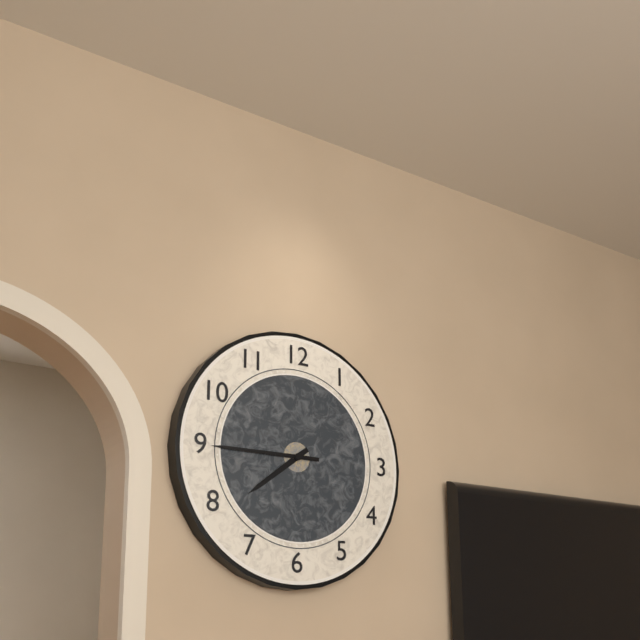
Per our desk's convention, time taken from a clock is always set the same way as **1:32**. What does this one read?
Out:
**7:45**
